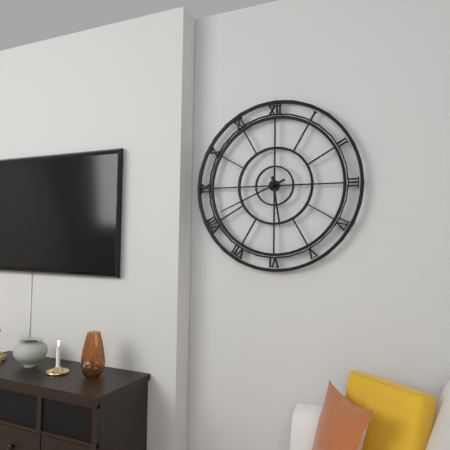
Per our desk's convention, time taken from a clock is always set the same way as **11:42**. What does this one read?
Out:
**5:41**
